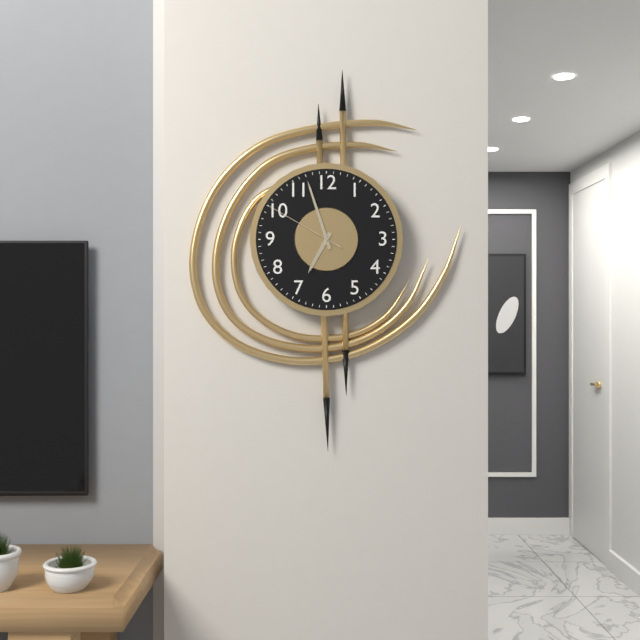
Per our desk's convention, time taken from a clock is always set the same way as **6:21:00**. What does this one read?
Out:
**6:57:50**
